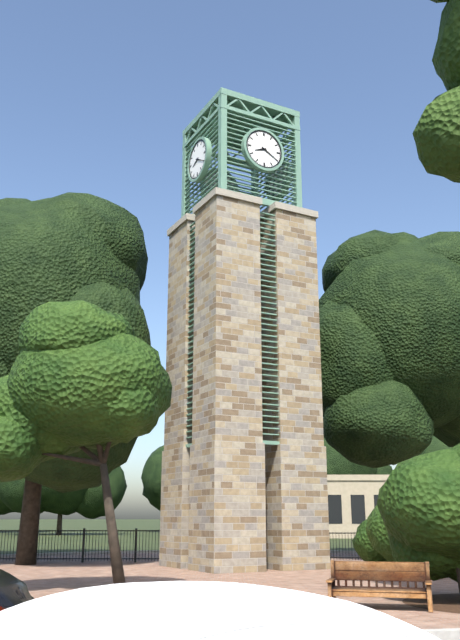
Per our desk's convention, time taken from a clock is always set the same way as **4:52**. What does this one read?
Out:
**8:20**
